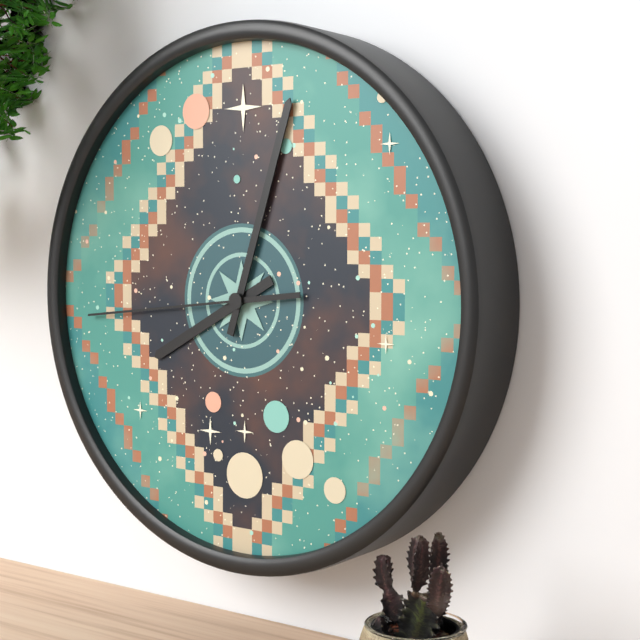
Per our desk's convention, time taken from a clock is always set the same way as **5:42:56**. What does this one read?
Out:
**8:03:44**
